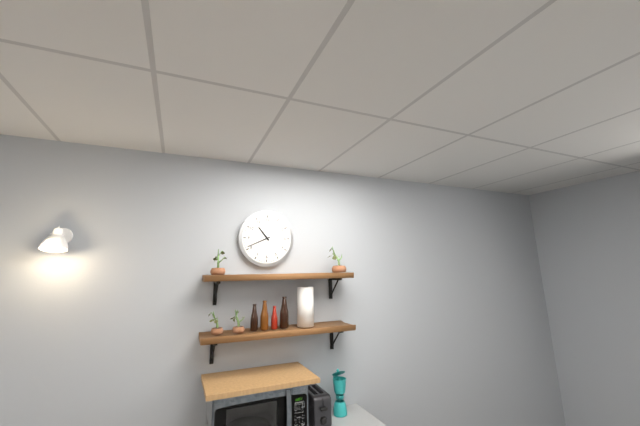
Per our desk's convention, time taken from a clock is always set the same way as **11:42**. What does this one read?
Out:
**10:41**
